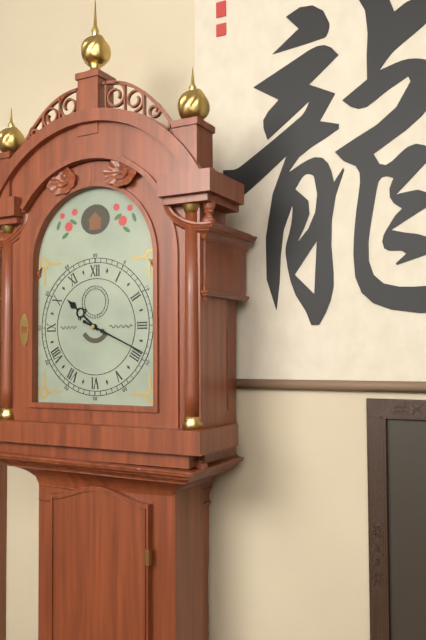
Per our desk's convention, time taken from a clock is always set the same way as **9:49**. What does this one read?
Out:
**10:19**
